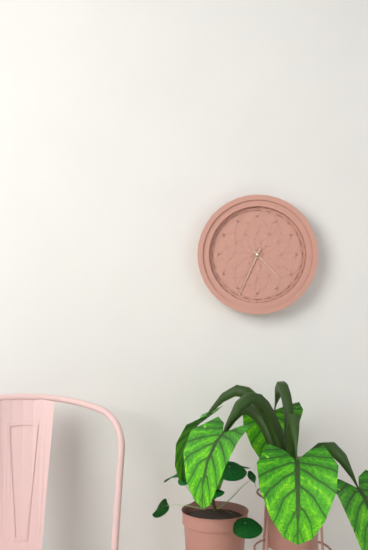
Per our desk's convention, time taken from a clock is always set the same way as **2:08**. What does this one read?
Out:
**4:34**
